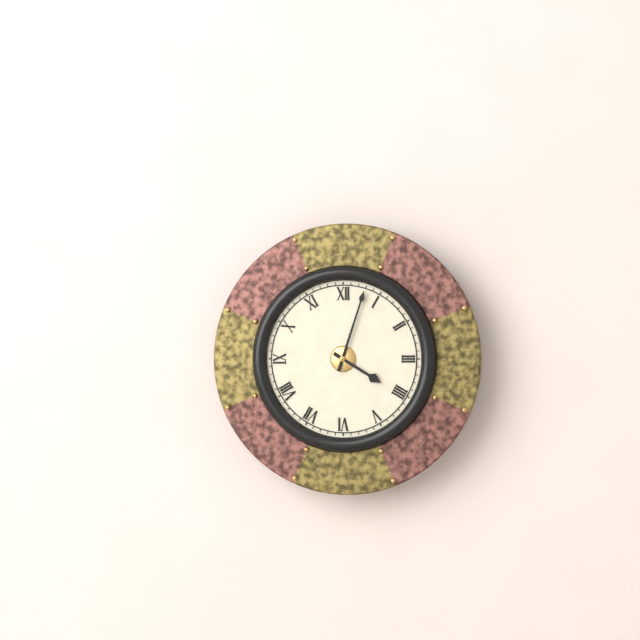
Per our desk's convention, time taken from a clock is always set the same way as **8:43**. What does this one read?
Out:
**4:03**
